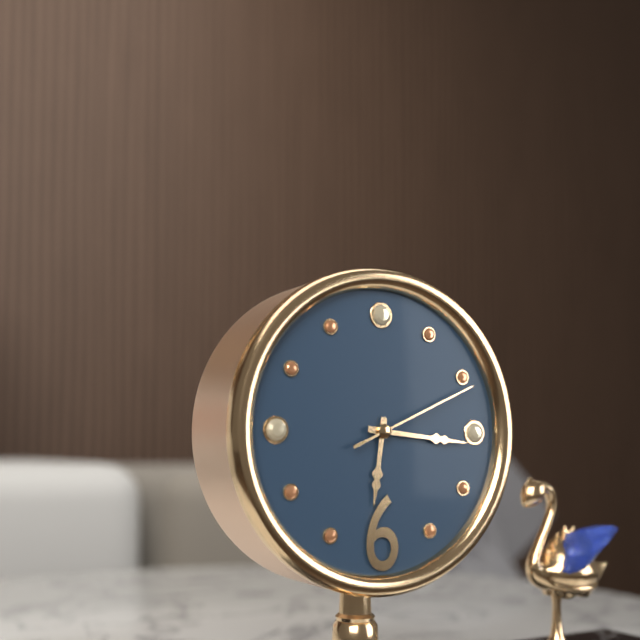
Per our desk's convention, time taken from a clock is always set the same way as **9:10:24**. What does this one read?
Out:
**6:16:11**
